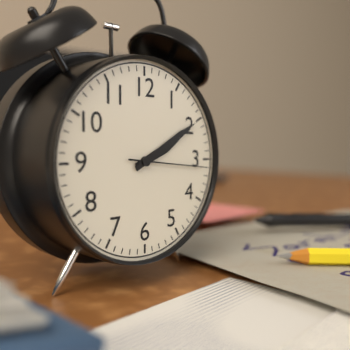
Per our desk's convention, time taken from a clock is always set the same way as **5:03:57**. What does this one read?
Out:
**2:10:16**
